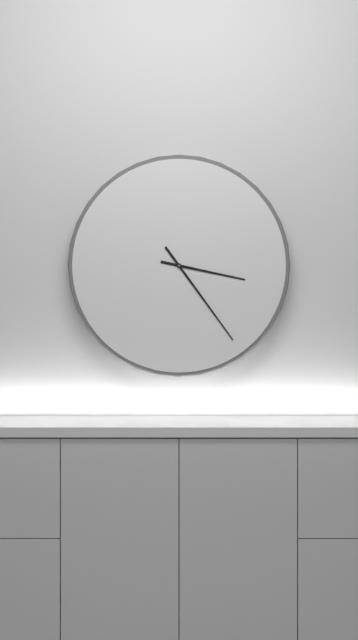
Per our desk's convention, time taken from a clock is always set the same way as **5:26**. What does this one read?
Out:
**3:24**
